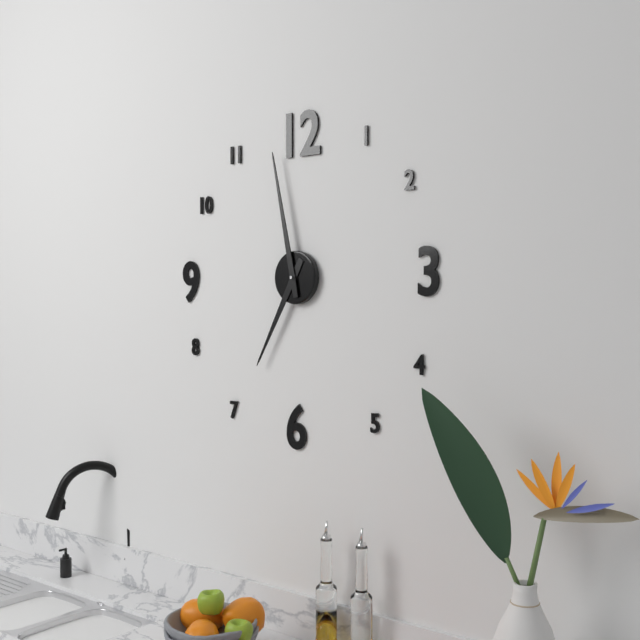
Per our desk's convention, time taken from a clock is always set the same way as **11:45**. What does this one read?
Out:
**6:58**
